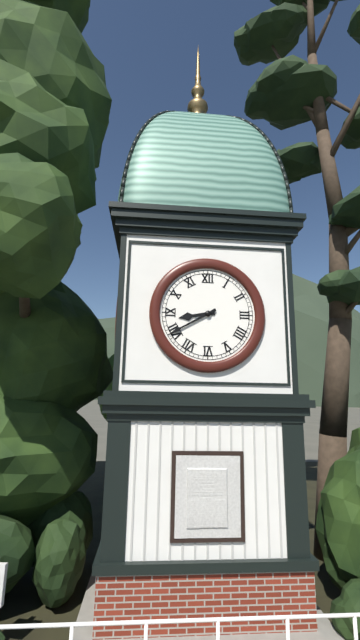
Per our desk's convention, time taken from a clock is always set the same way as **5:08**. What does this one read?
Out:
**8:40**
